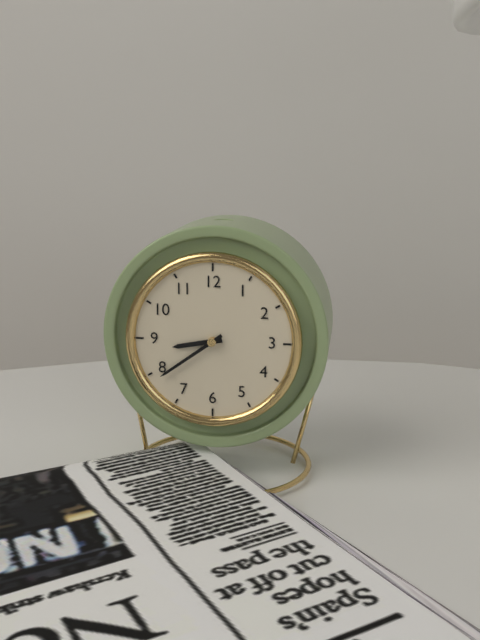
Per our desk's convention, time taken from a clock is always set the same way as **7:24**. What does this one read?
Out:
**8:39**
